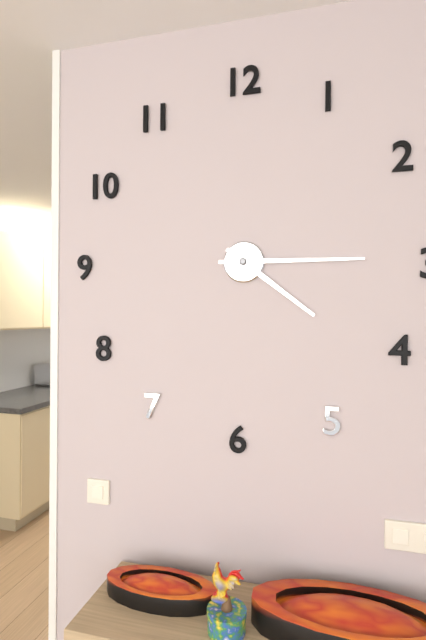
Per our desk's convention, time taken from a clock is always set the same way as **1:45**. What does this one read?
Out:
**4:15**
